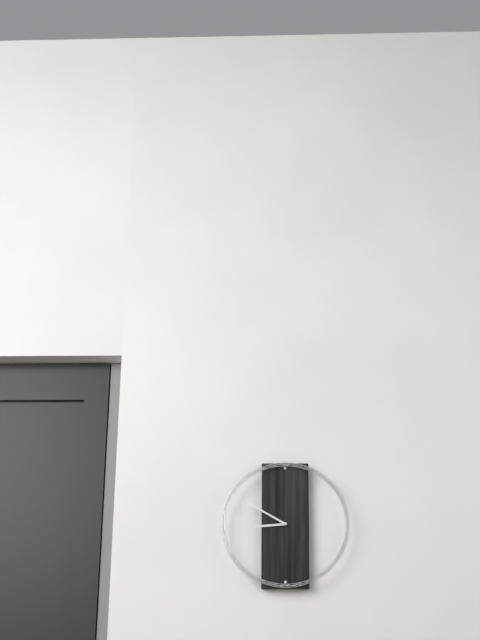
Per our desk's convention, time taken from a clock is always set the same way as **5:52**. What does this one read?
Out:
**8:50**
